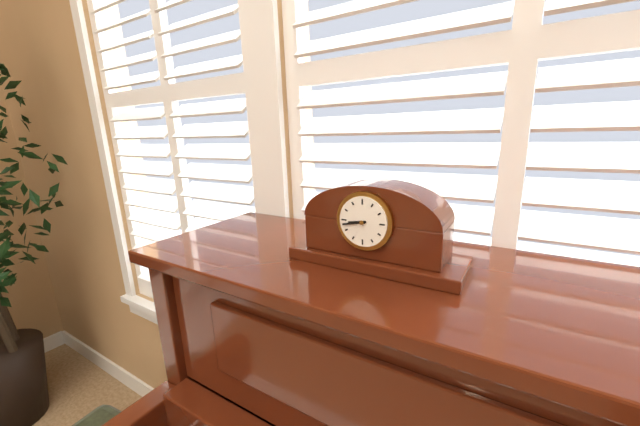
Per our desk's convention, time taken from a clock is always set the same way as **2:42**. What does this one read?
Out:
**8:43**
